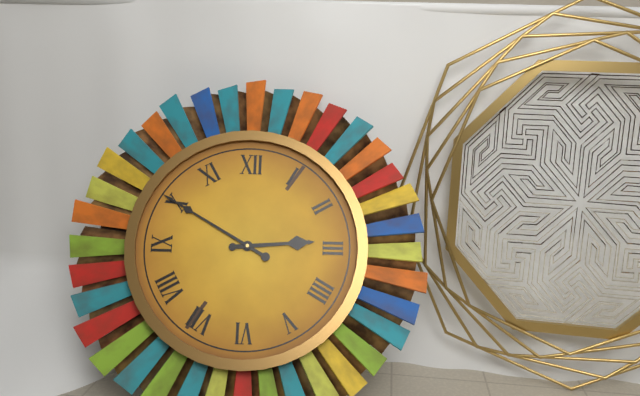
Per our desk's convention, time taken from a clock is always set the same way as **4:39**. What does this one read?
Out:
**2:50**
